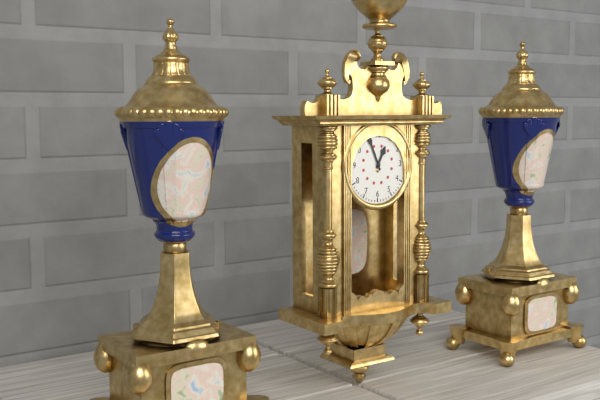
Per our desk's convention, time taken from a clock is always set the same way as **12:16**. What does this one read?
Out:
**12:56**
